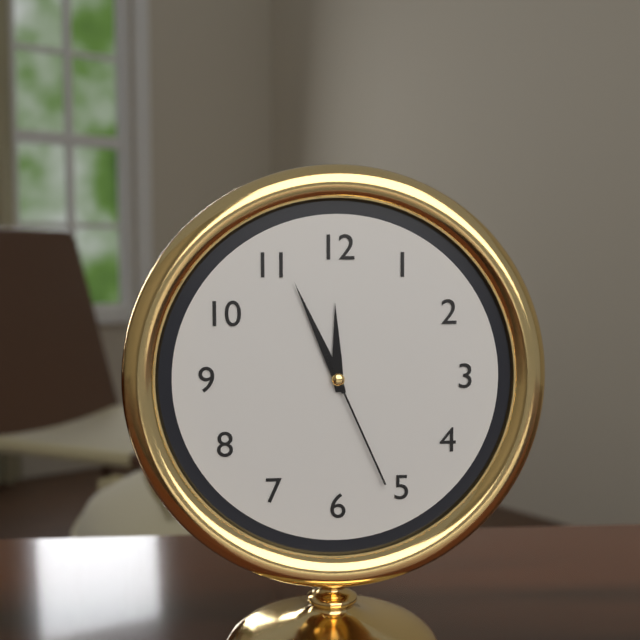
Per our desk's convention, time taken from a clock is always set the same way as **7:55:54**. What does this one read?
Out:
**11:56:26**
